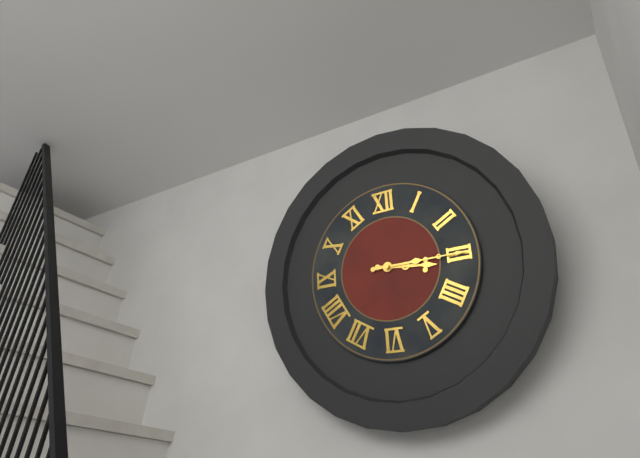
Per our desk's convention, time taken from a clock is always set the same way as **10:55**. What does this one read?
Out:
**3:15**
